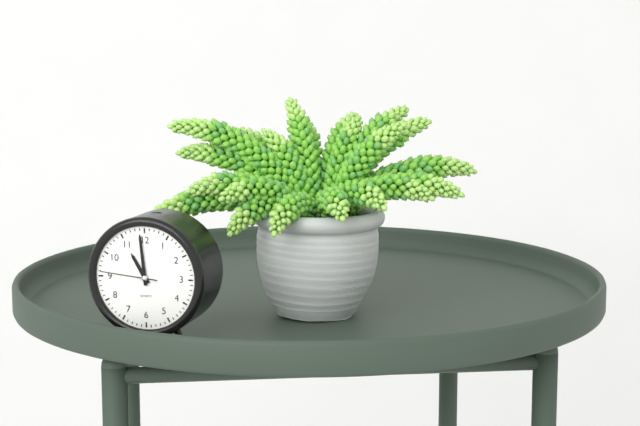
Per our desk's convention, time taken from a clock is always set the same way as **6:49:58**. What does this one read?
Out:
**10:59:46**
